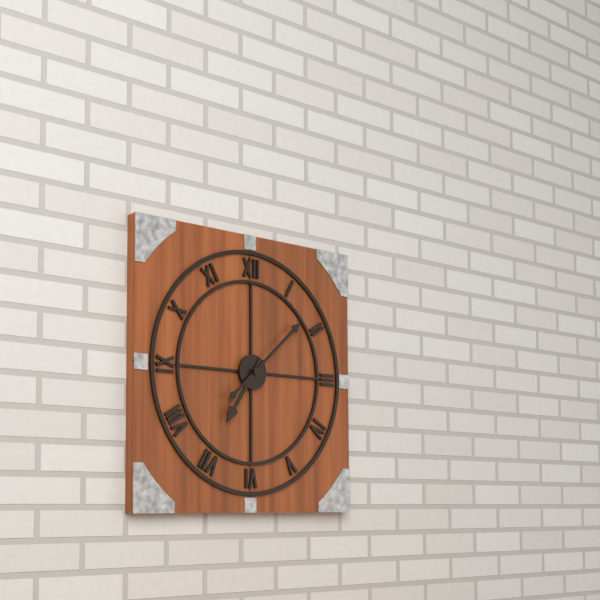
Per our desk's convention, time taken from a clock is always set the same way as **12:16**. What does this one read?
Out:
**7:08**
